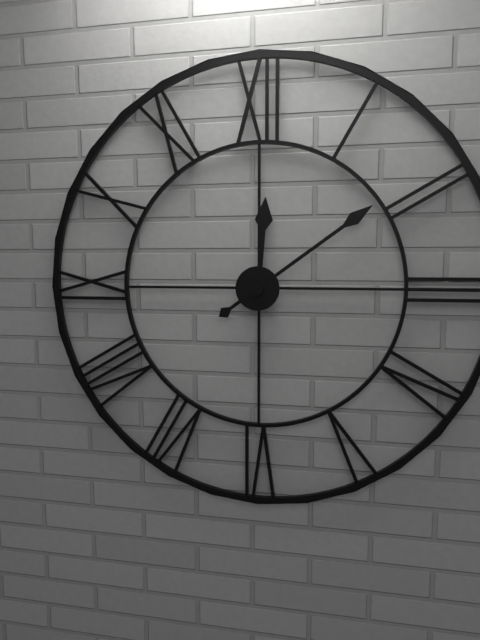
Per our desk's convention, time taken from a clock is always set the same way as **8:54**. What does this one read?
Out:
**12:09**
